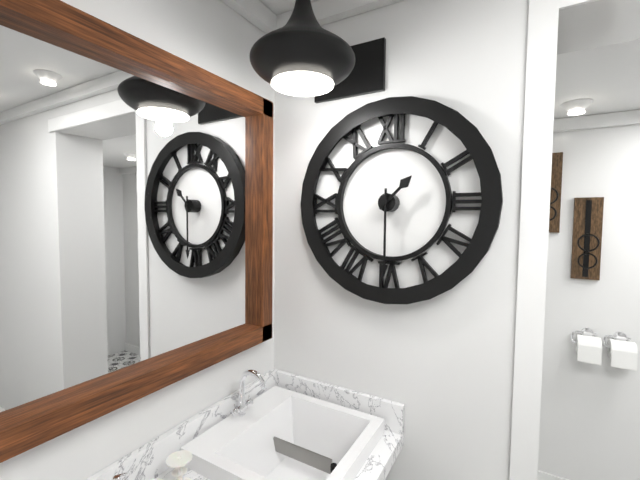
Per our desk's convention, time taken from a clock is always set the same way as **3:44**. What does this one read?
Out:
**1:30**
